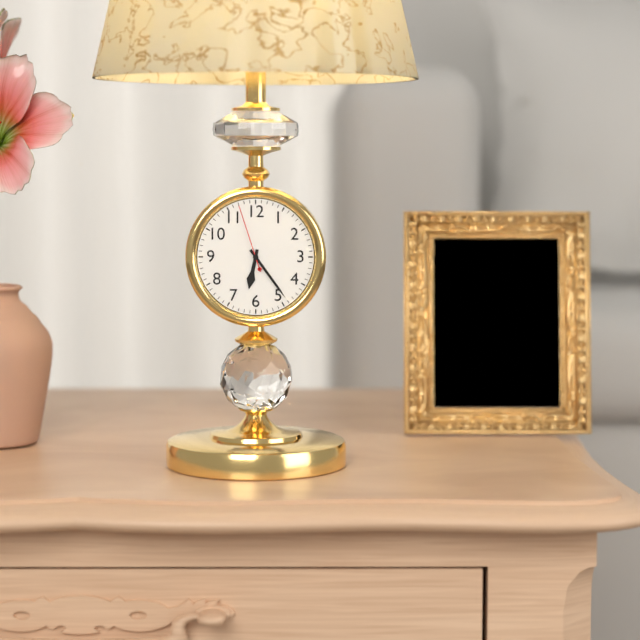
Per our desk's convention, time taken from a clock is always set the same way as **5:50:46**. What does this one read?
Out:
**6:24:57**
